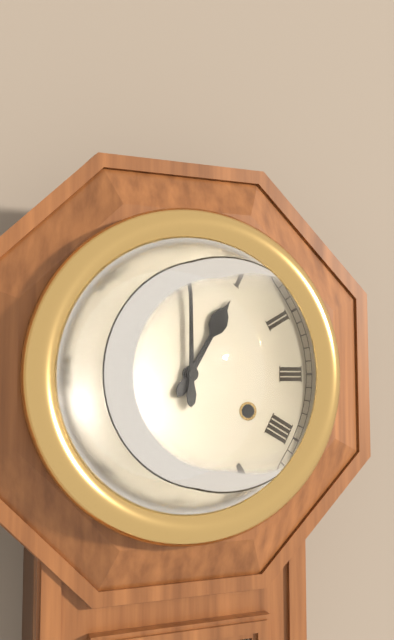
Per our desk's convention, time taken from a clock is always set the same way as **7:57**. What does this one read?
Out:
**1:00**
